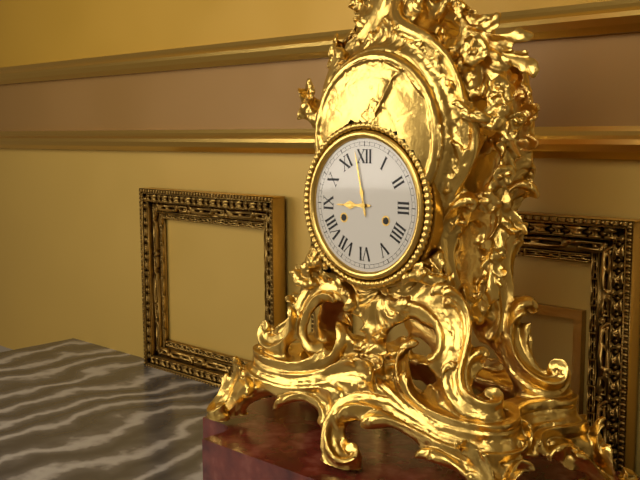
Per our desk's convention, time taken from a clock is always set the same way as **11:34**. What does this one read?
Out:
**8:58**
